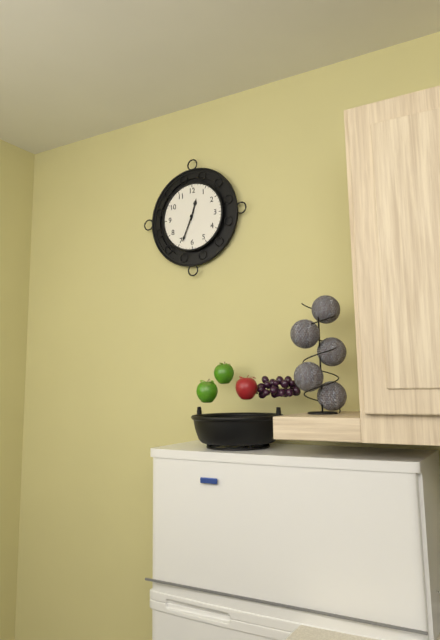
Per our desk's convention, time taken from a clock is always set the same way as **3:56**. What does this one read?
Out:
**12:34**
